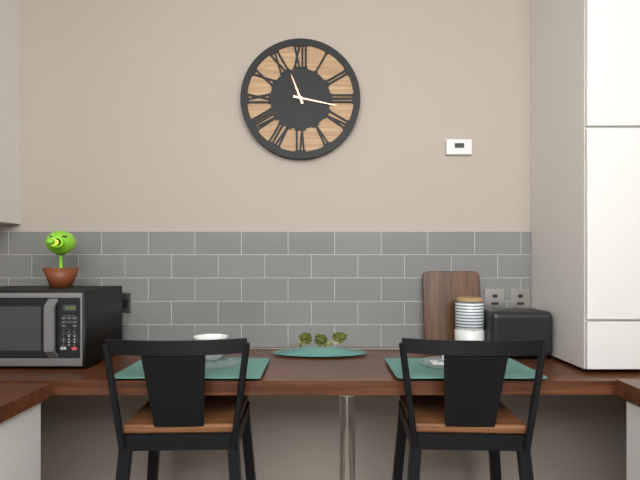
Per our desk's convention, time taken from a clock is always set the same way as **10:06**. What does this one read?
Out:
**11:17**
